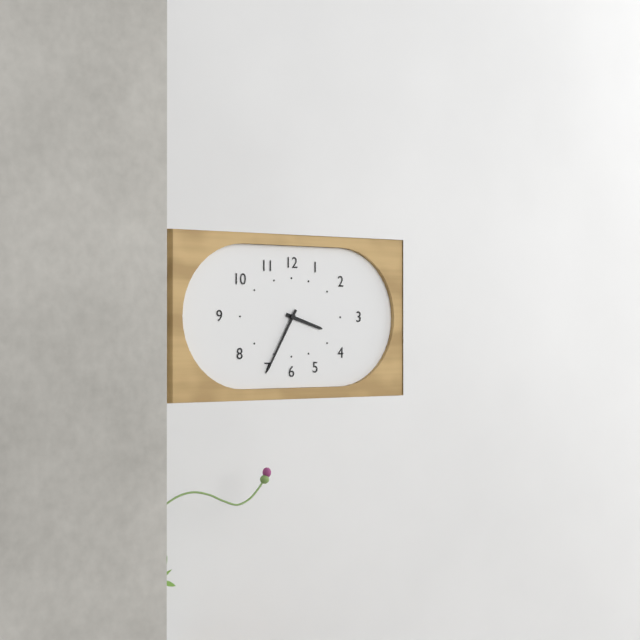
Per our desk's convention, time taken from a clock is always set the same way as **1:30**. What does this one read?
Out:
**3:35**
